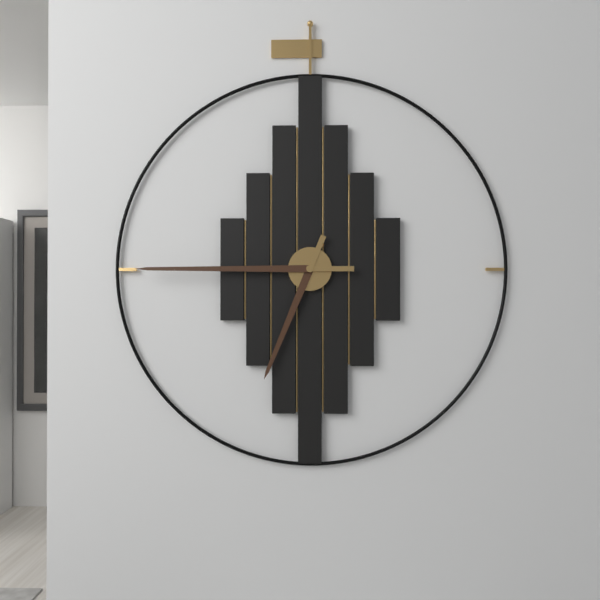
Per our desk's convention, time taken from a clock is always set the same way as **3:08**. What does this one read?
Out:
**6:45**
